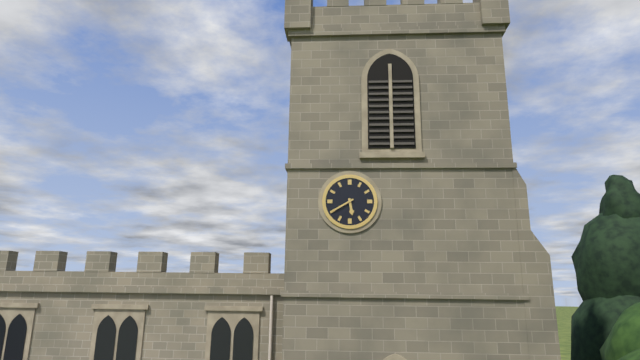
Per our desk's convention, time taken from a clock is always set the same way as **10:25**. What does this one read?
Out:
**5:40**
